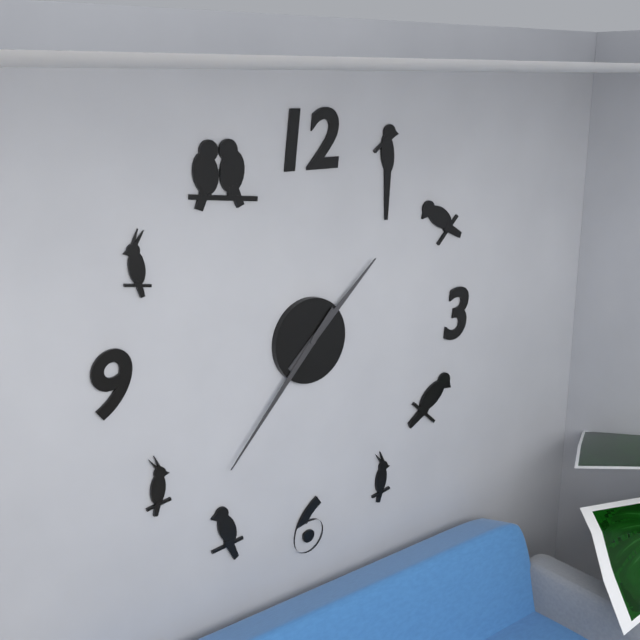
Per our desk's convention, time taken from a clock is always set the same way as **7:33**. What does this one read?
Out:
**1:37**
